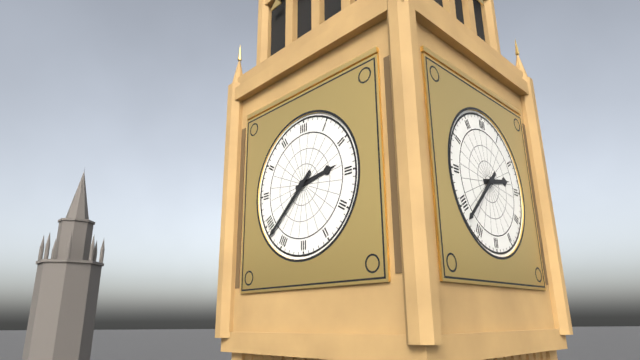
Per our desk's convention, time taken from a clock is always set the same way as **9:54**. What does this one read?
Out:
**2:38**
